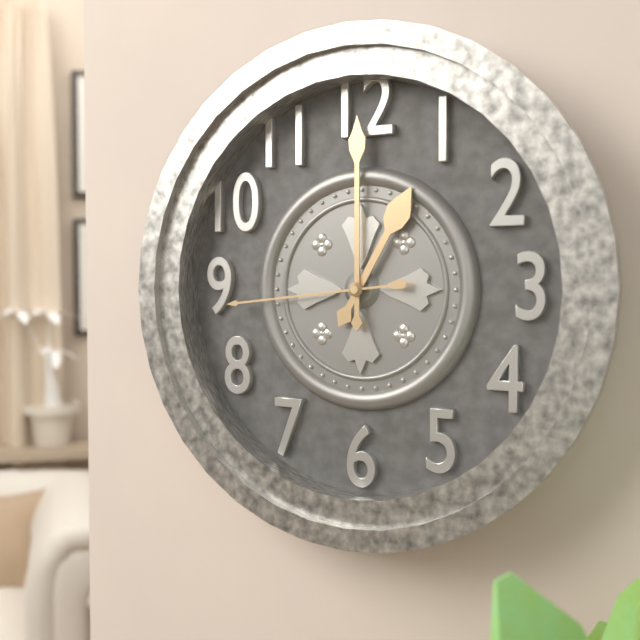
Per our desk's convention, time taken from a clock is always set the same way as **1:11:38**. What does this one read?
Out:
**1:00:44**
